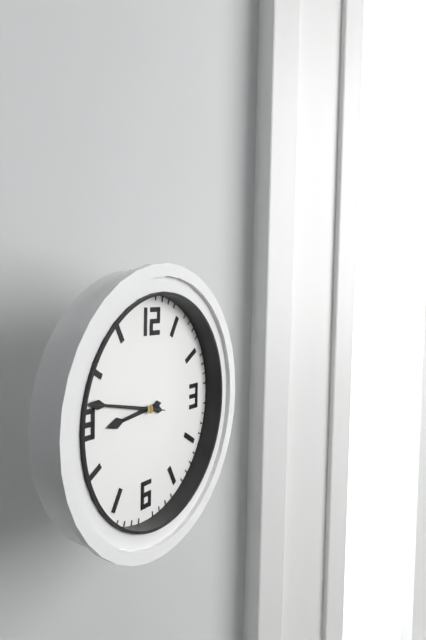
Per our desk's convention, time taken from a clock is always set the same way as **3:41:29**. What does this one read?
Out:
**8:47:47**
